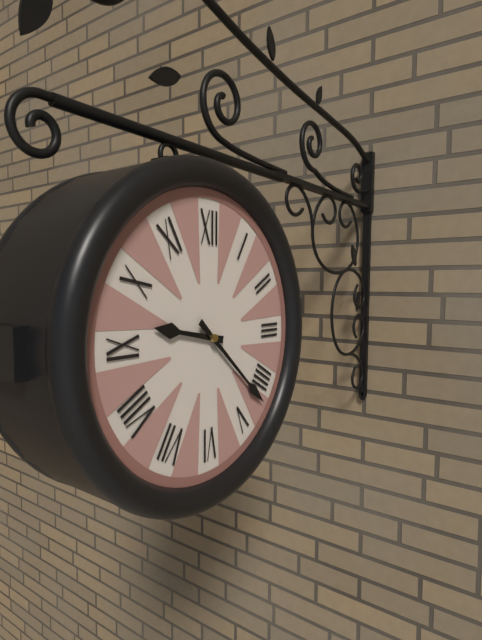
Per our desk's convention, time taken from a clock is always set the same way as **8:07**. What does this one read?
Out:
**9:22**
